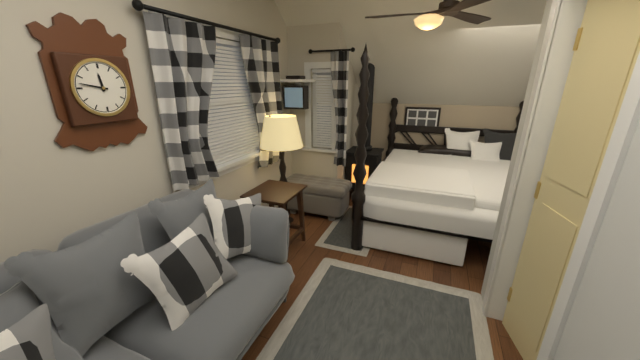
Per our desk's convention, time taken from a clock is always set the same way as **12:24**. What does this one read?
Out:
**11:47**
